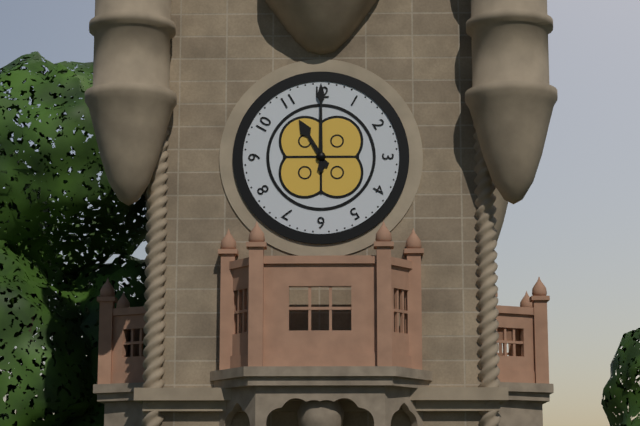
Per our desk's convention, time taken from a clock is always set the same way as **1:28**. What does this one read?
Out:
**11:00**
